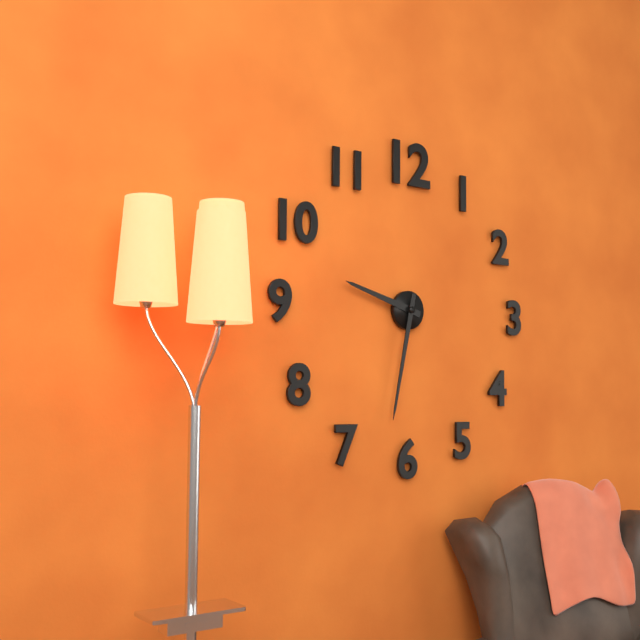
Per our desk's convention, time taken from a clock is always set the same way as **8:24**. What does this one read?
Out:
**9:32**
